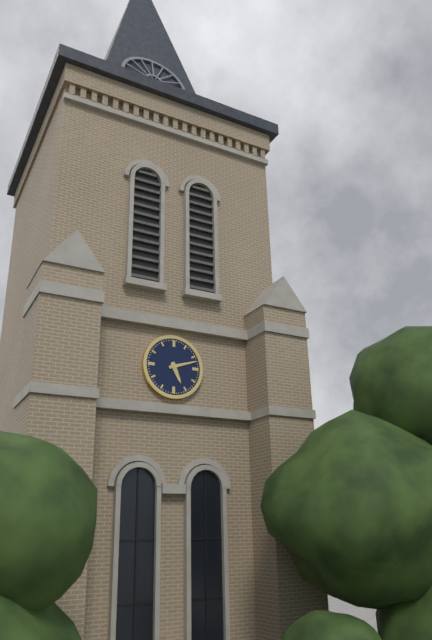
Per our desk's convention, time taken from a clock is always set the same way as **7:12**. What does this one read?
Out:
**5:12**
